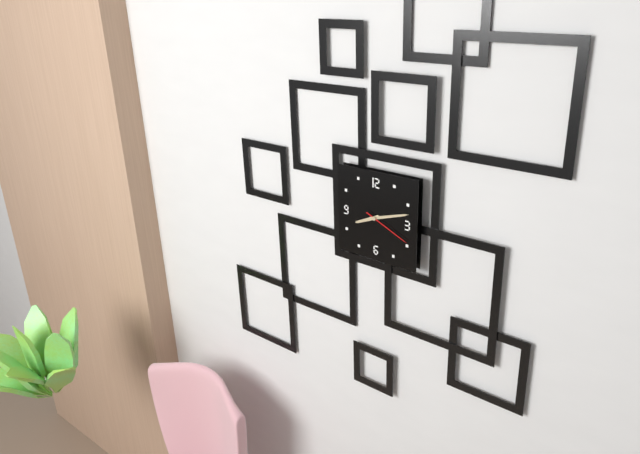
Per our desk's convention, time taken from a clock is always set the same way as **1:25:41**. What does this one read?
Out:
**8:12:19**
